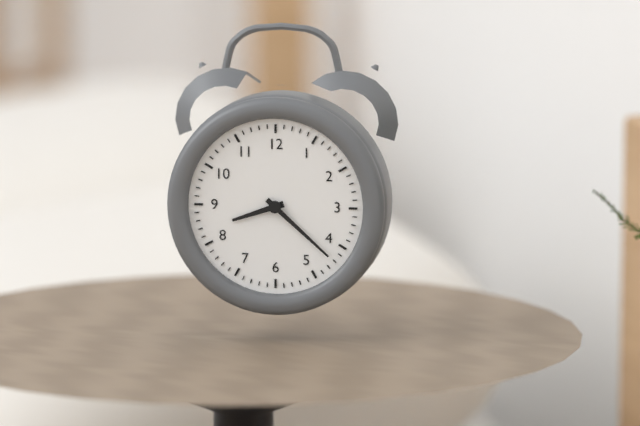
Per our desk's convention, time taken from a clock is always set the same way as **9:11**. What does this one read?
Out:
**8:22**
